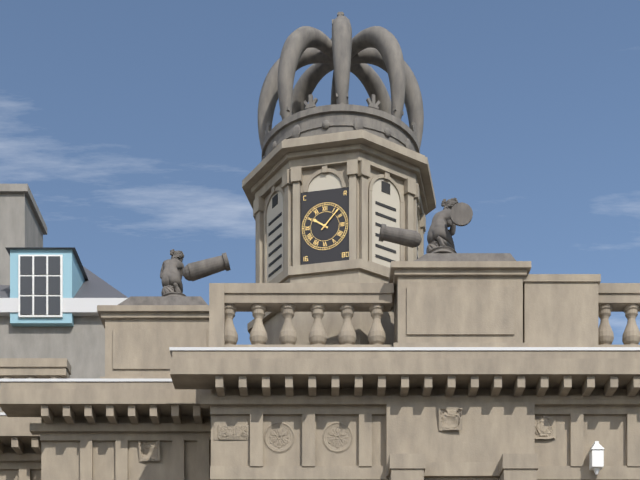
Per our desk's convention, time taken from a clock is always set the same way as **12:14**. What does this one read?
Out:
**10:07**
